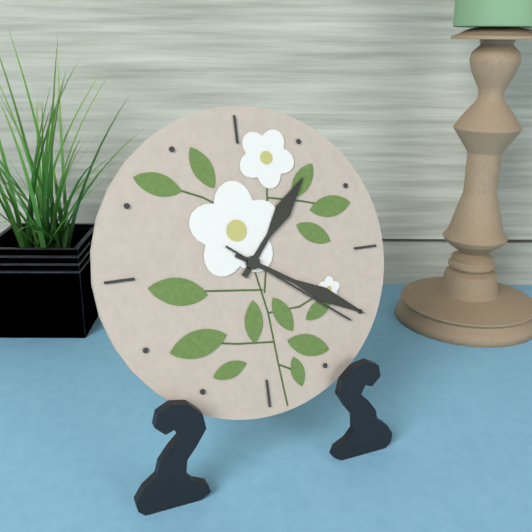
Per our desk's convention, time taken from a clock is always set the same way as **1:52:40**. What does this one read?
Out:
**1:20:21**
